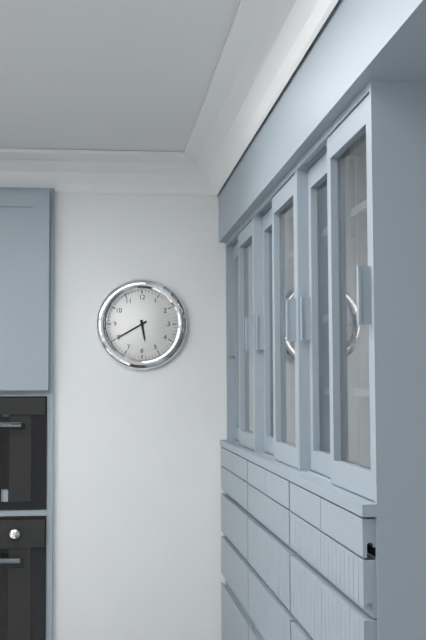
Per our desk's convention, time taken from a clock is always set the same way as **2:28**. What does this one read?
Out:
**5:40**
